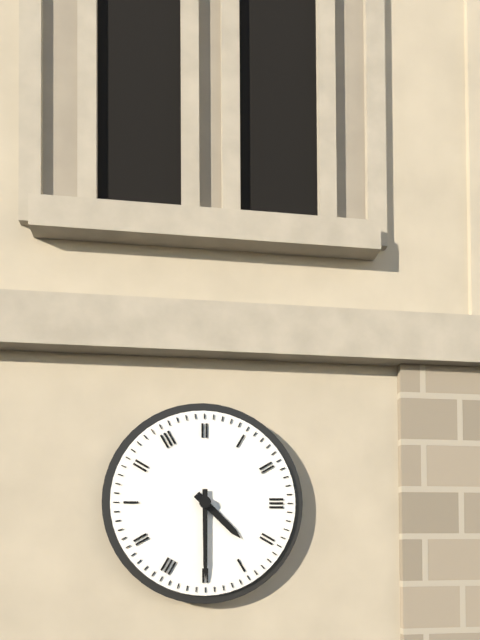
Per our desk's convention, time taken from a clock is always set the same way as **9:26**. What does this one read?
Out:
**4:30**
